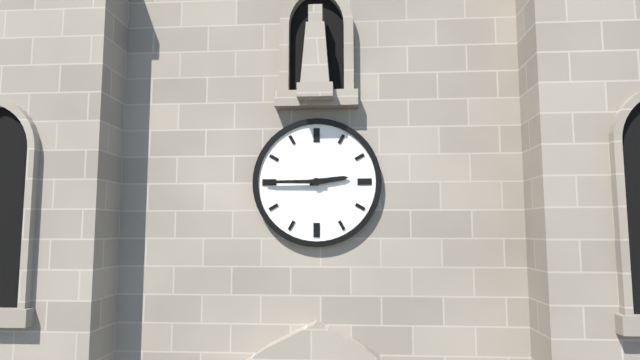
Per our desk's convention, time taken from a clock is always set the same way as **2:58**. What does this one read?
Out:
**2:45**
